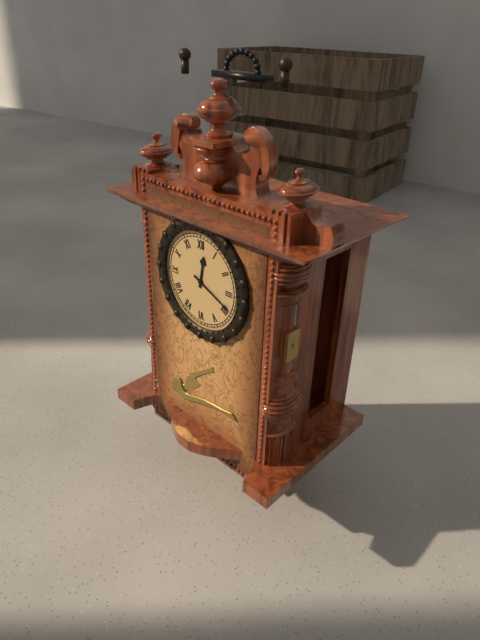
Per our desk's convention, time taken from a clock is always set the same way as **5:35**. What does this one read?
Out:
**12:19**
